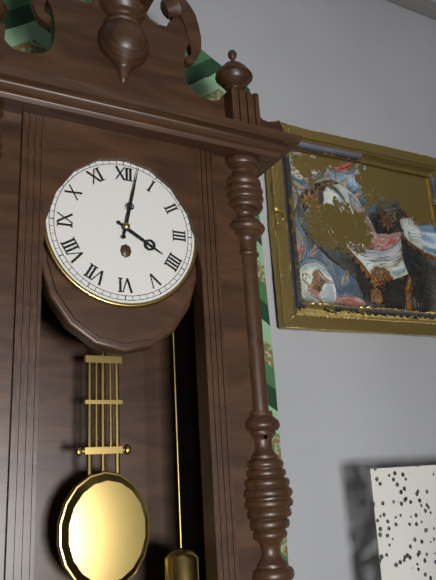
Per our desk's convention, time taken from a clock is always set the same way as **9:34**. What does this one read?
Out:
**4:02**
